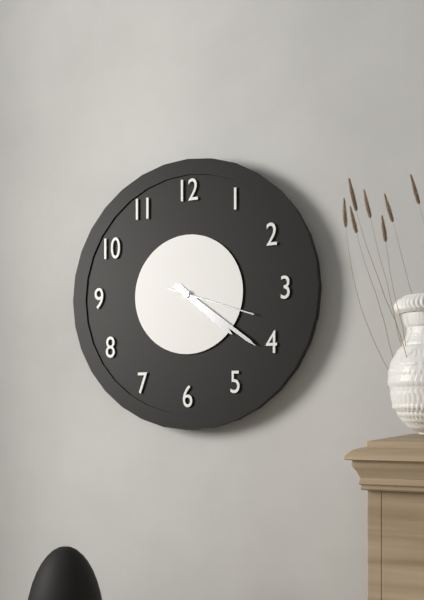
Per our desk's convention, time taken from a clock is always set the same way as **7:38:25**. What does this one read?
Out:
**4:21:18**
